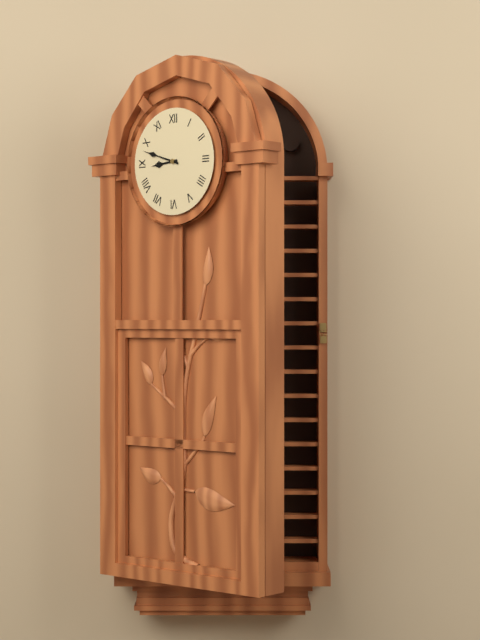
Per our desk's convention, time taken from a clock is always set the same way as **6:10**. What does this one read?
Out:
**8:48**
